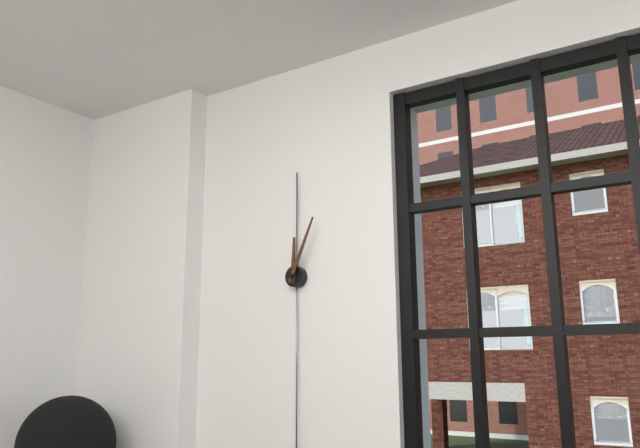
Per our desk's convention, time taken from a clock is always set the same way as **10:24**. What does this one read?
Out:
**12:04**
